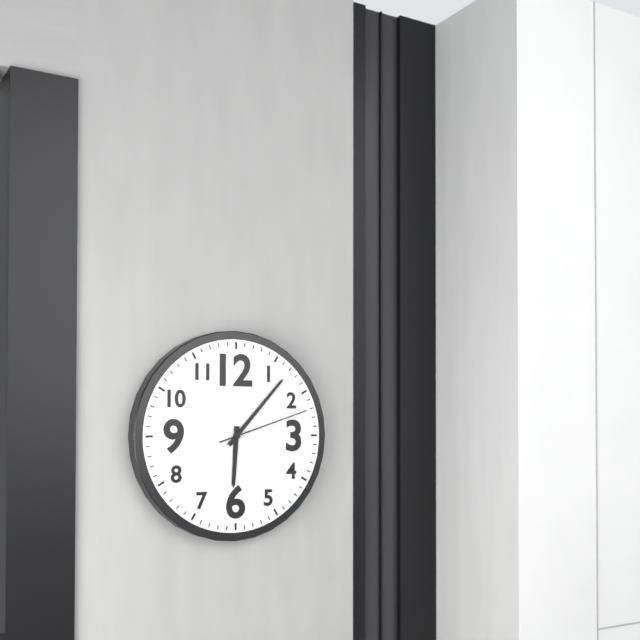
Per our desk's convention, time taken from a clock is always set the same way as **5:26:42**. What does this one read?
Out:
**6:07:12**
